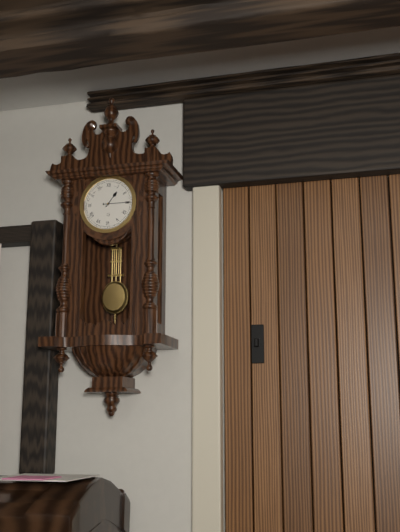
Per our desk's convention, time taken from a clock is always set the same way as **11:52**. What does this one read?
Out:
**1:15**
